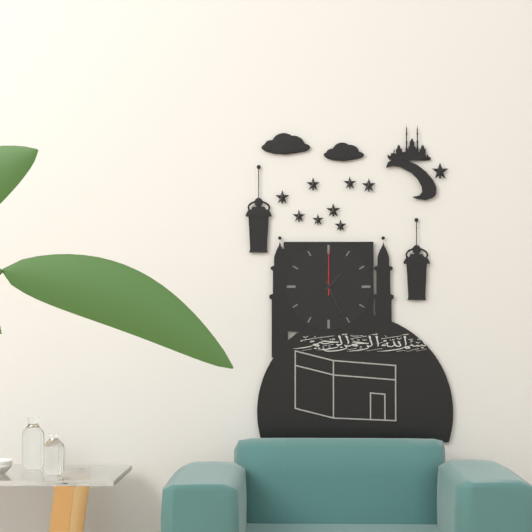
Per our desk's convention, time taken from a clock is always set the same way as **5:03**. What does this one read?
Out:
**1:26**
